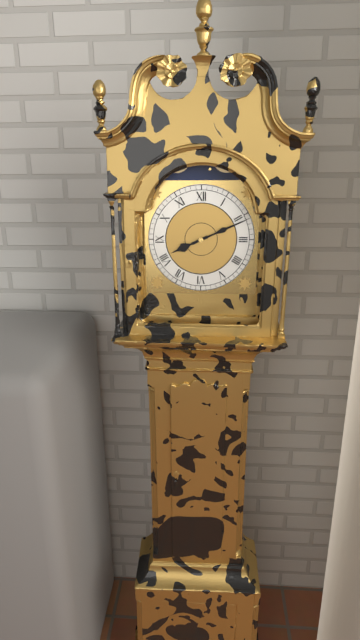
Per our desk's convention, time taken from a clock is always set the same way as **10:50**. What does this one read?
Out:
**8:11**
